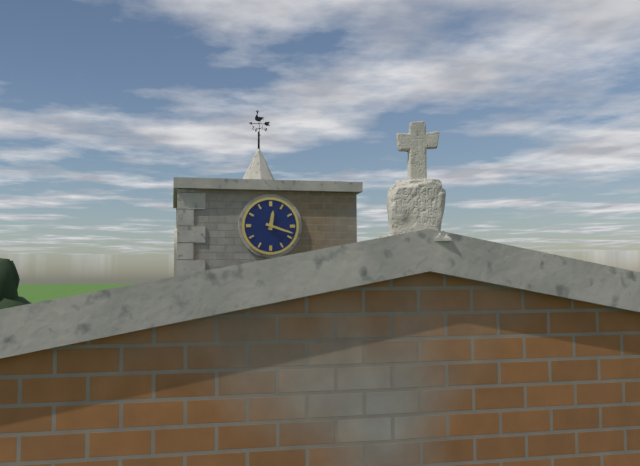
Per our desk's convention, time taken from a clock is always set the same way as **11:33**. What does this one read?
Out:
**12:18**
